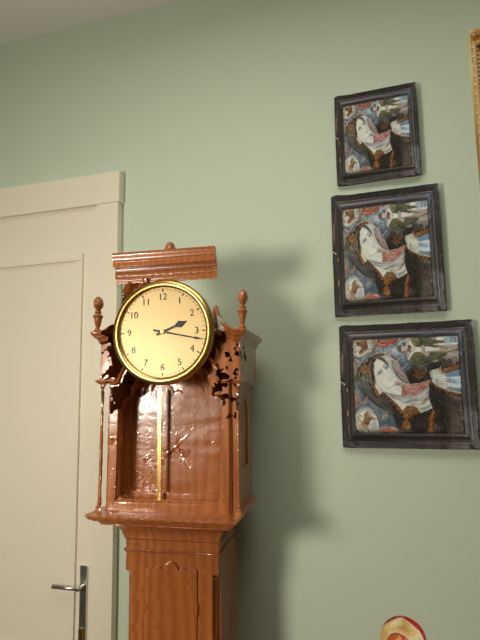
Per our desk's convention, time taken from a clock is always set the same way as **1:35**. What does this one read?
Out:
**2:17**
